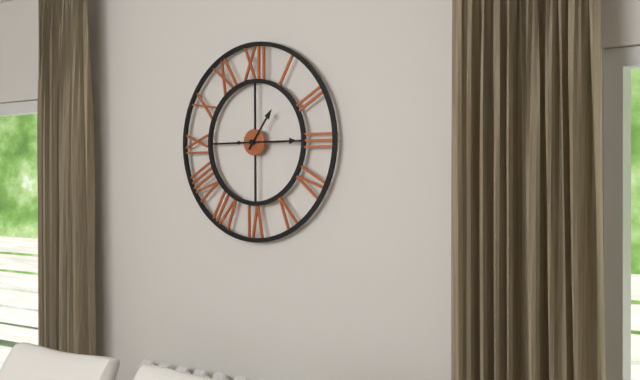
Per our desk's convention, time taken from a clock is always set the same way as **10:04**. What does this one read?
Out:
**1:15**
